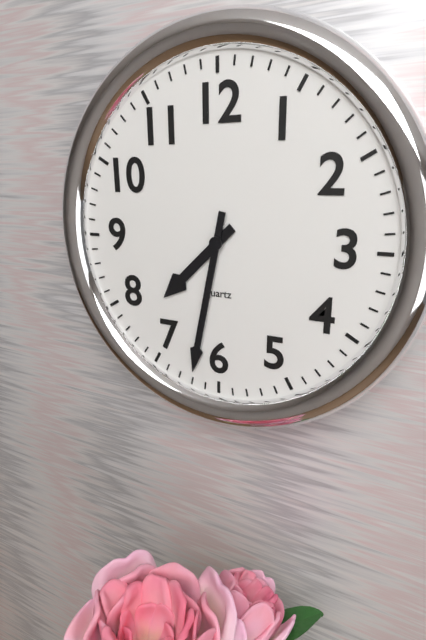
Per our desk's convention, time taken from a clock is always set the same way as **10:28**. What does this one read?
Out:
**7:32**
